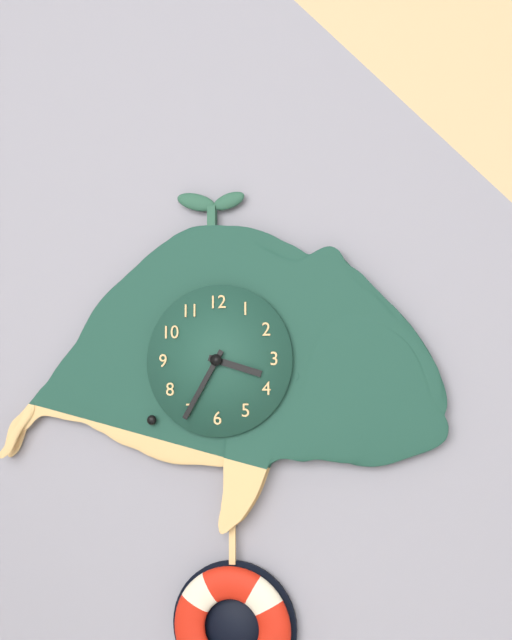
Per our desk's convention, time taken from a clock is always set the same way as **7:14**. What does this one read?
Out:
**3:35**
